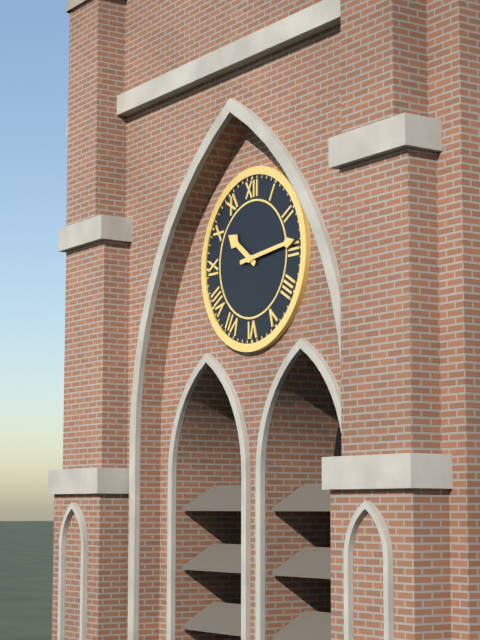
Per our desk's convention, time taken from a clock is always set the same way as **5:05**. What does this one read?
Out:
**10:14**
